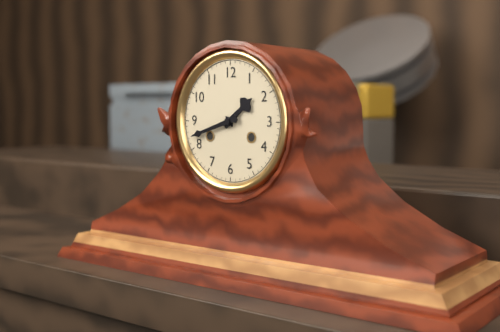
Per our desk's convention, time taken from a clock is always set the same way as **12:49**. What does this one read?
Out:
**1:42**
